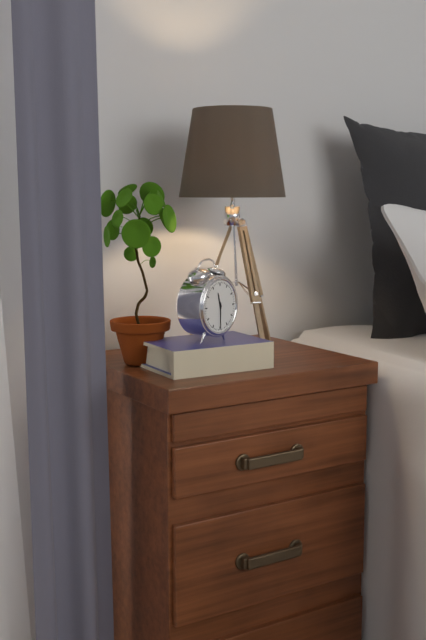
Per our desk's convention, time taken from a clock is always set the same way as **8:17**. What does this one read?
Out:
**11:30**
